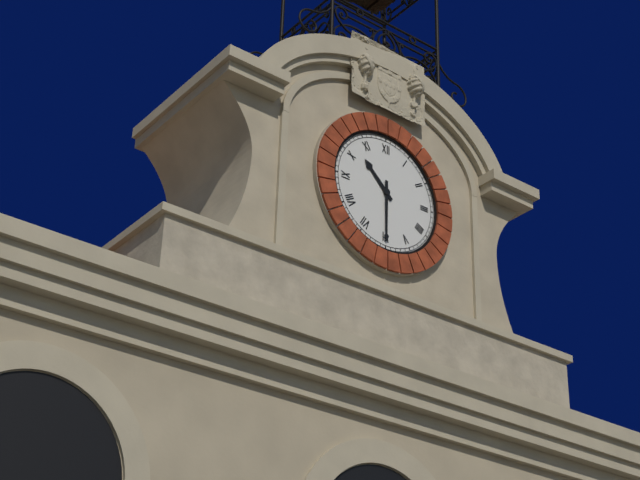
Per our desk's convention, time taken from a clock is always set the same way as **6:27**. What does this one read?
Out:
**10:30**
